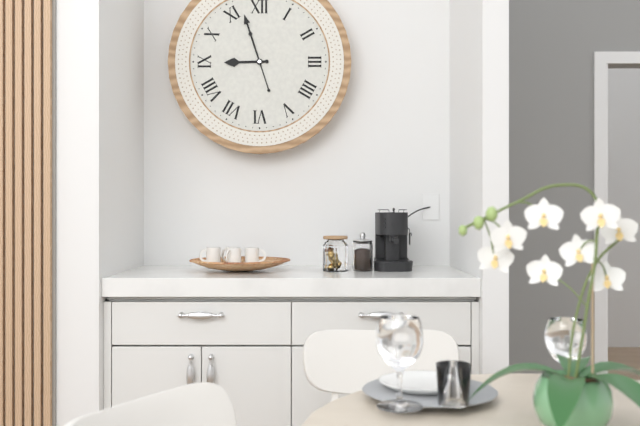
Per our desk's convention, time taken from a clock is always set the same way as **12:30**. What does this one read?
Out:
**8:57**
